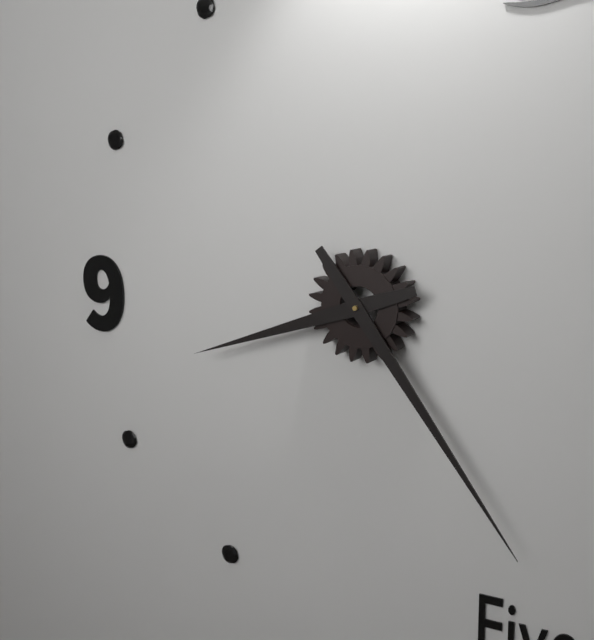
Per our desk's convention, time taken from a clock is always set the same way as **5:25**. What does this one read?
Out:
**8:24**
